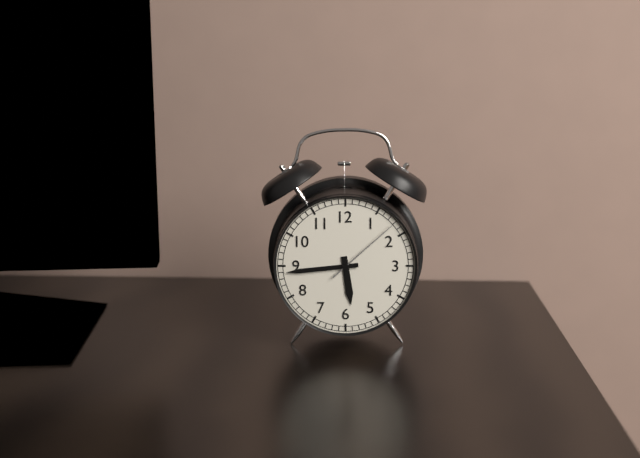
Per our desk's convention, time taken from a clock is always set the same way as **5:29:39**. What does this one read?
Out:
**5:44:08**
